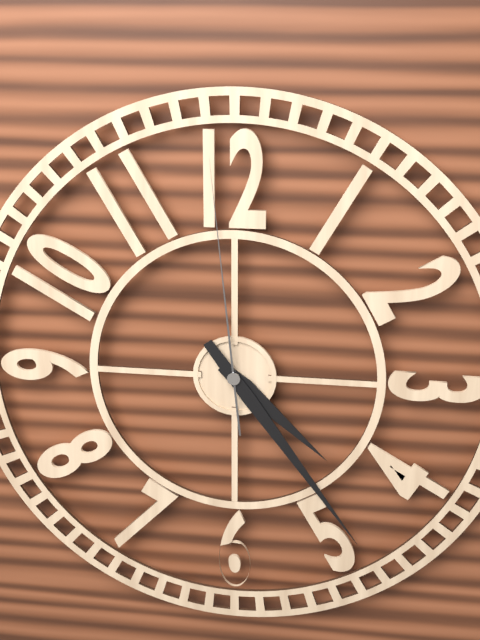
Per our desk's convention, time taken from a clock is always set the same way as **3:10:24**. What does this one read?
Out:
**4:24:59**
